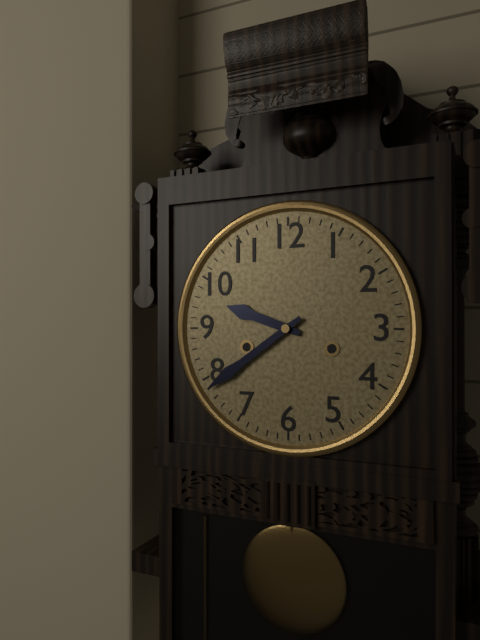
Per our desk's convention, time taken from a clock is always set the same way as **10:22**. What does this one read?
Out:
**9:39**
